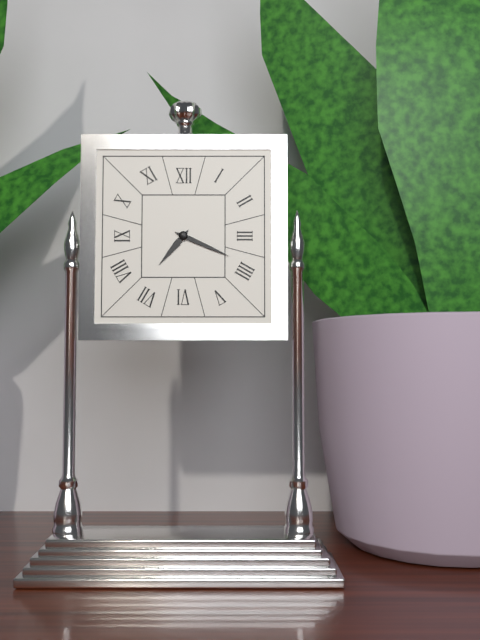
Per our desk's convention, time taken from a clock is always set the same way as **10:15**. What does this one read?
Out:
**7:19**
